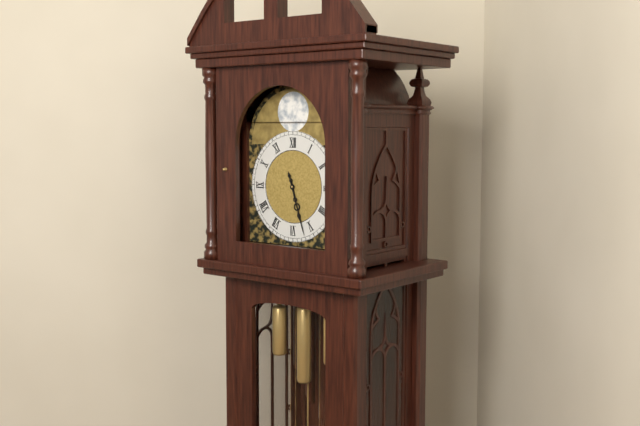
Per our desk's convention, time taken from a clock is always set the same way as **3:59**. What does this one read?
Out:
**5:27**
